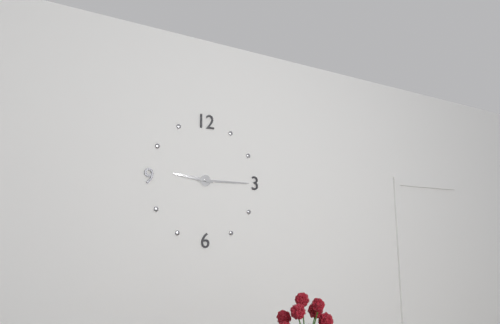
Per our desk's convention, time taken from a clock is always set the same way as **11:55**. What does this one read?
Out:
**9:15**
